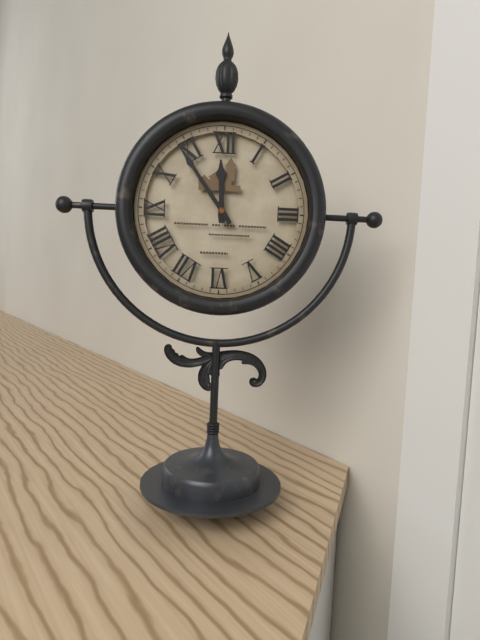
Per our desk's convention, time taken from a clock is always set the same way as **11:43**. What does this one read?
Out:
**11:54**
